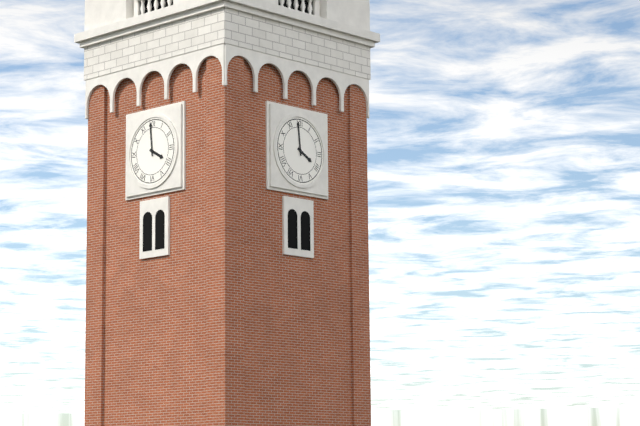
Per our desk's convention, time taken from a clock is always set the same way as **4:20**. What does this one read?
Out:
**3:59**
